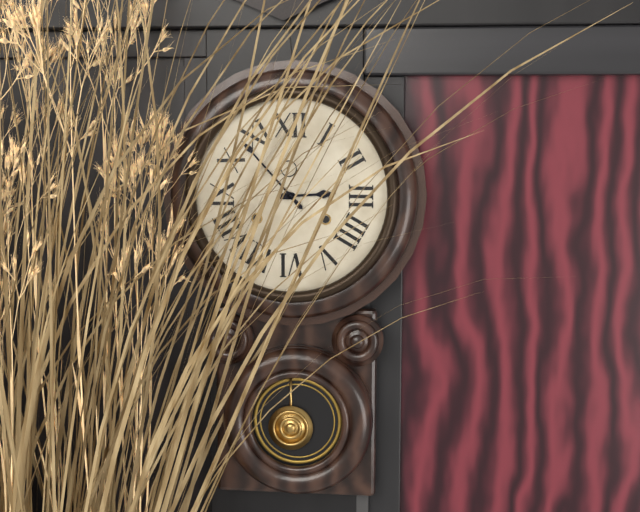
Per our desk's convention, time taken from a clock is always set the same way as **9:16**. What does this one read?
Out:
**2:53**
